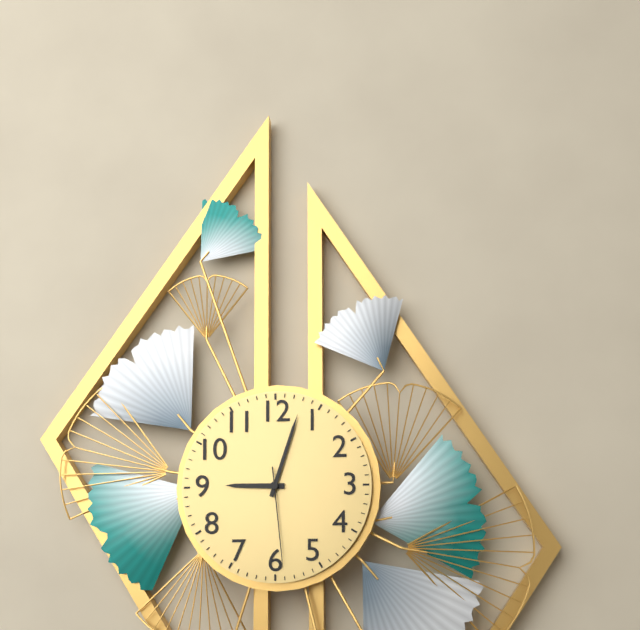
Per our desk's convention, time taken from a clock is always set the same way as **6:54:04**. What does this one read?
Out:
**9:03:29**
